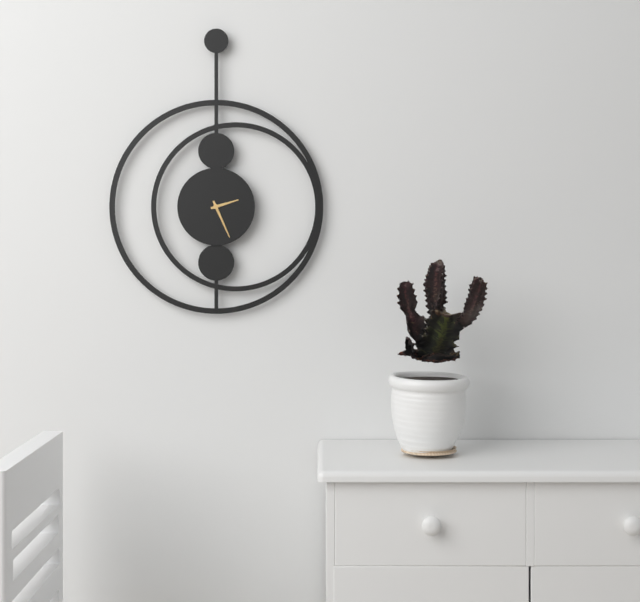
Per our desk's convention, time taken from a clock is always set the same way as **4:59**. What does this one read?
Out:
**2:26**
